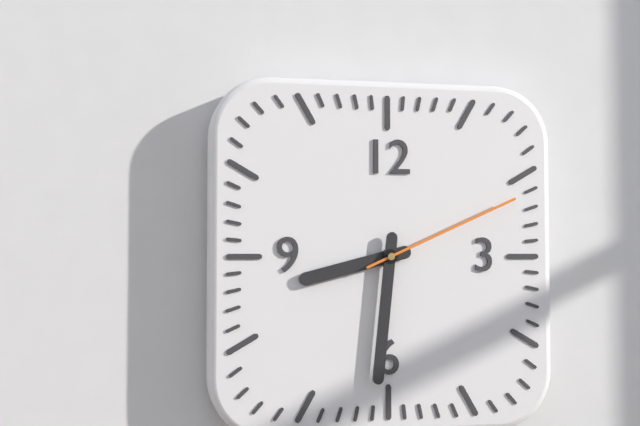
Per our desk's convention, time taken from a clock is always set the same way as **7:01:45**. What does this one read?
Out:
**8:31:11**
